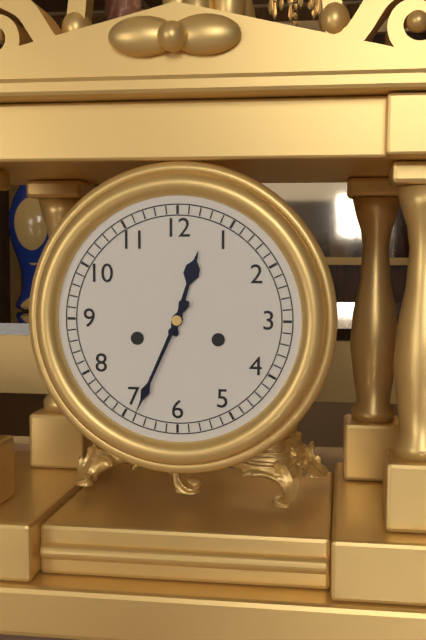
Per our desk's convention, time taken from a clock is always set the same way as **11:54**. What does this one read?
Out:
**12:34**
